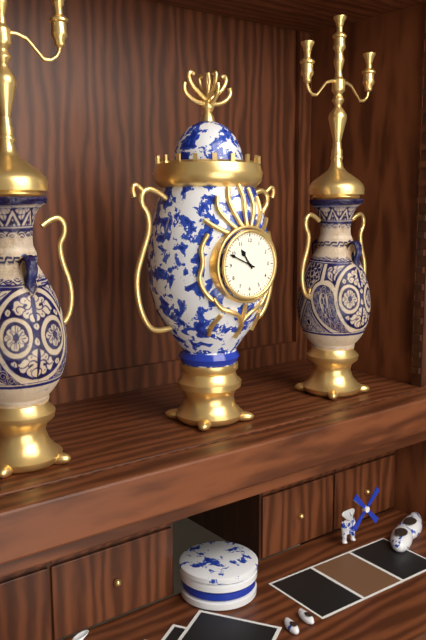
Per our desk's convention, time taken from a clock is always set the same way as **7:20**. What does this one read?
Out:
**10:49**
